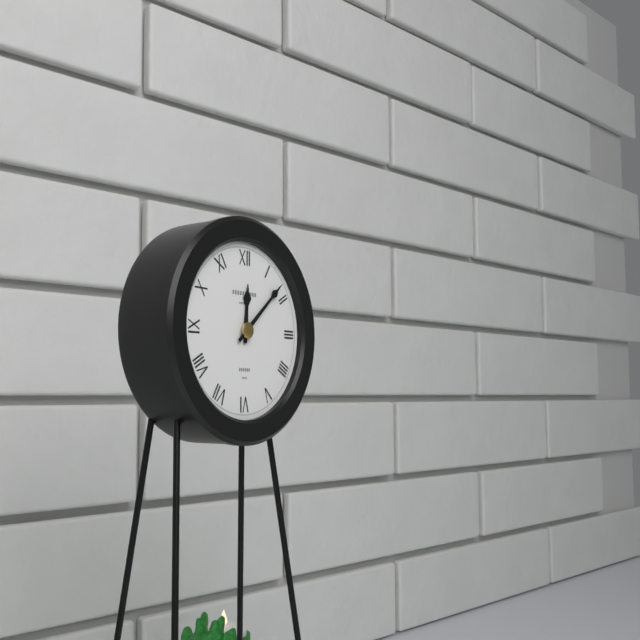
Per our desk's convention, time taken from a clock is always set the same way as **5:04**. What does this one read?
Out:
**12:08**
